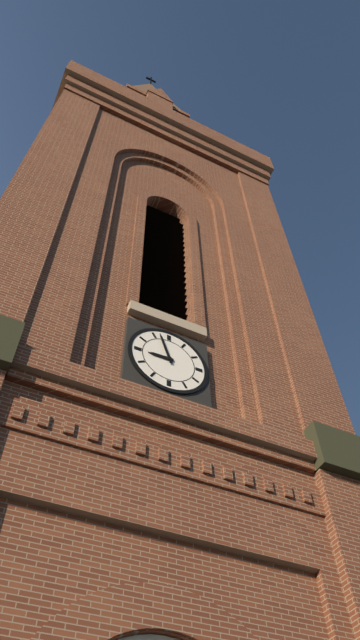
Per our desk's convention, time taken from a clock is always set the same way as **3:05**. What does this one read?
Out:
**8:57**
